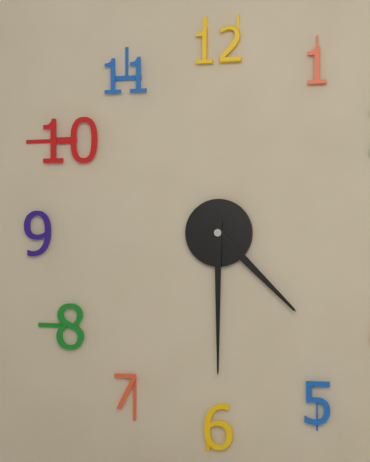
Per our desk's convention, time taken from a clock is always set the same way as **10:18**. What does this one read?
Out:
**4:30**
